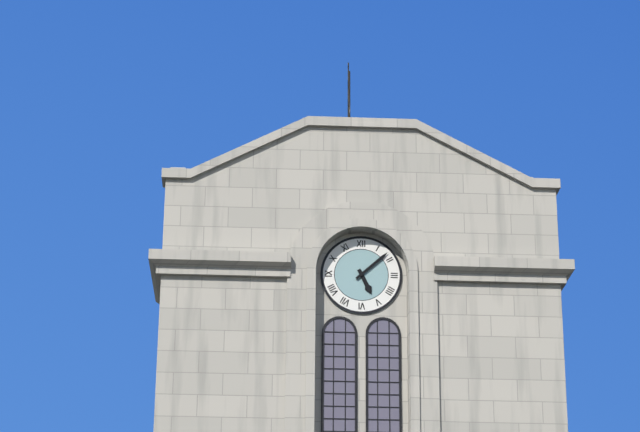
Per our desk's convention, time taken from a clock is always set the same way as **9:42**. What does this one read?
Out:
**5:08**
